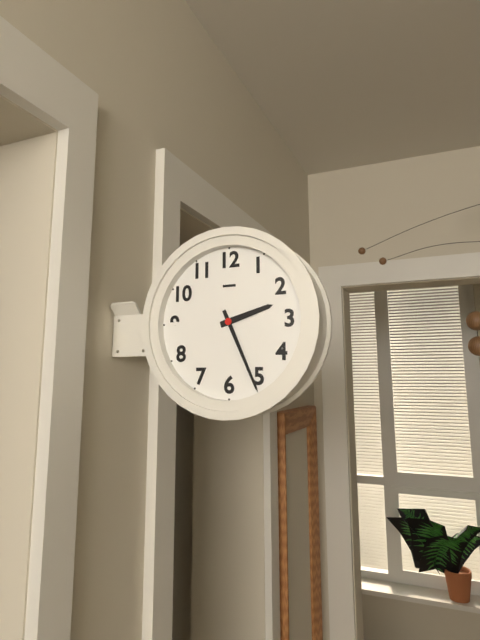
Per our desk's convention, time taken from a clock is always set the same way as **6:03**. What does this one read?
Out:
**2:26**
